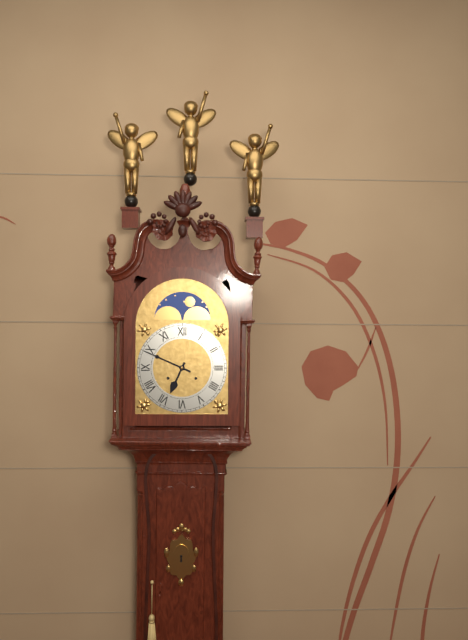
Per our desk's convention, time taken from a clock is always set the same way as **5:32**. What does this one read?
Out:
**6:49**
